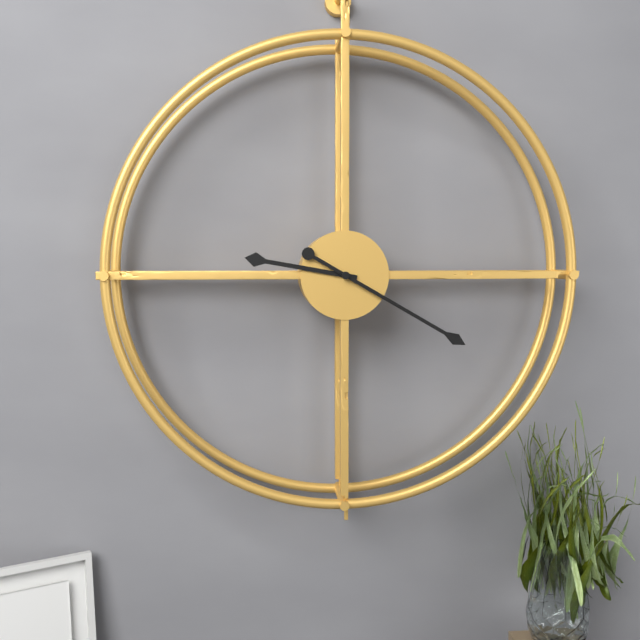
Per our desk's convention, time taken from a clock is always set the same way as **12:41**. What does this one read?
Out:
**9:20**
